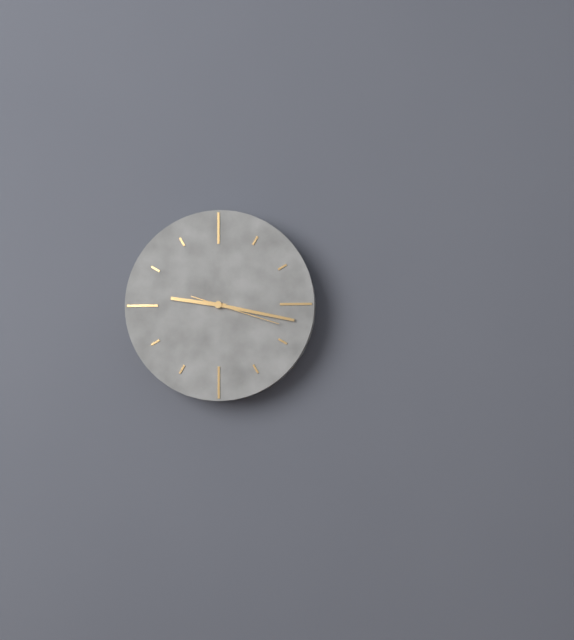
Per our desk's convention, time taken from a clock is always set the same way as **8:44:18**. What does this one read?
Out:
**9:17:18**
